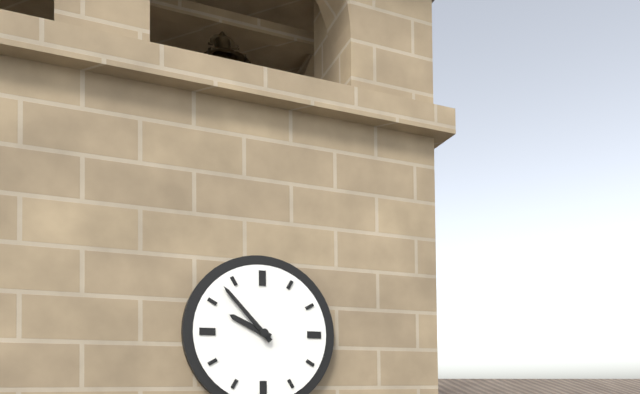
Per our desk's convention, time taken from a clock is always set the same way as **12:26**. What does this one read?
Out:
**9:53**
